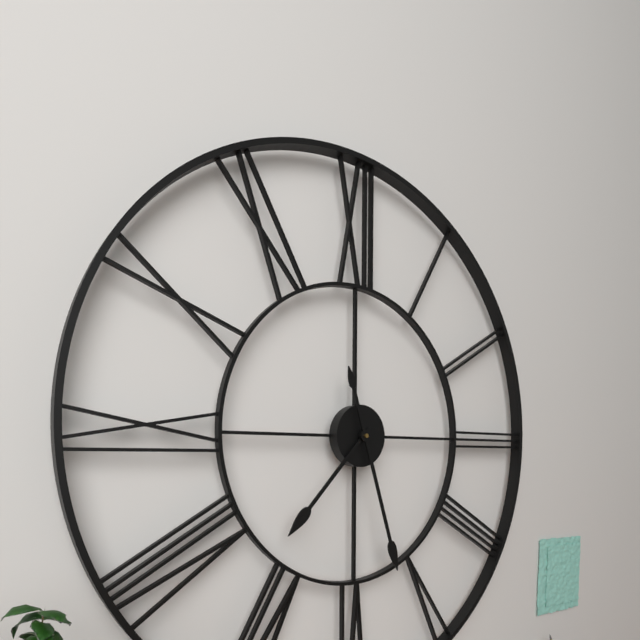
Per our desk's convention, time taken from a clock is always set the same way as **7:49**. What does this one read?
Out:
**7:27**
